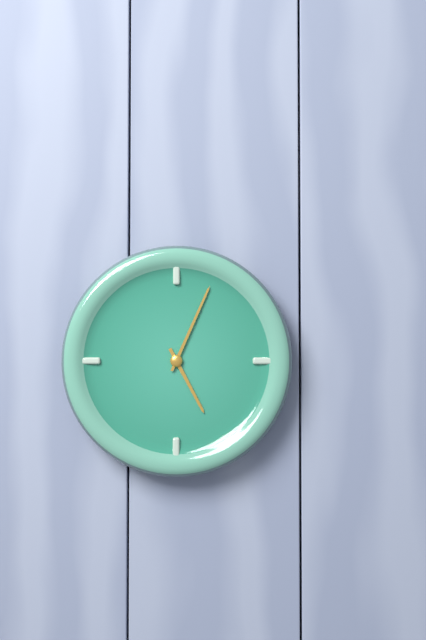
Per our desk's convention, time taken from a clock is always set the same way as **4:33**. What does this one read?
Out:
**5:04**
